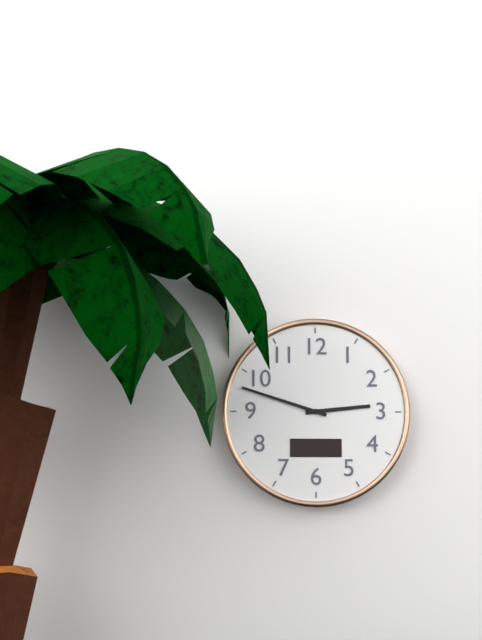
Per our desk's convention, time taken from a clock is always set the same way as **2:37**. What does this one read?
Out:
**2:48**
